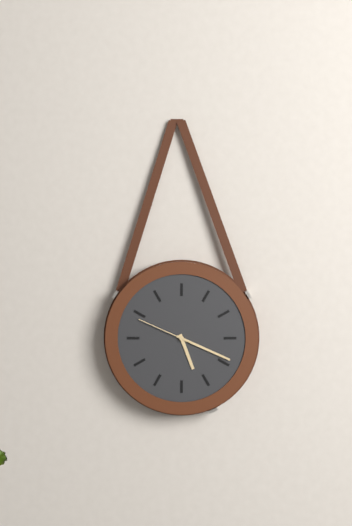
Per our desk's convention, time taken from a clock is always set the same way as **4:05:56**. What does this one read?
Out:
**5:19:49**
